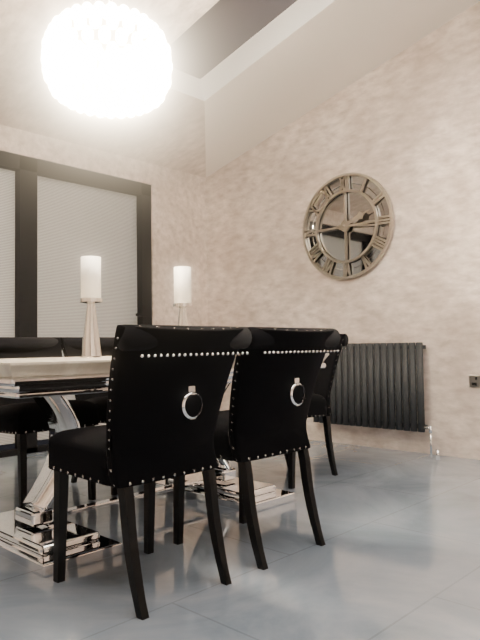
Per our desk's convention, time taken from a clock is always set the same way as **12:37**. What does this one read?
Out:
**2:16**
